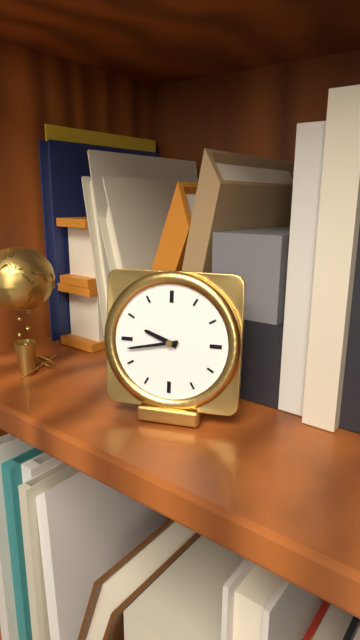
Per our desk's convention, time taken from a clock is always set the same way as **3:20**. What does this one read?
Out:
**9:43**
